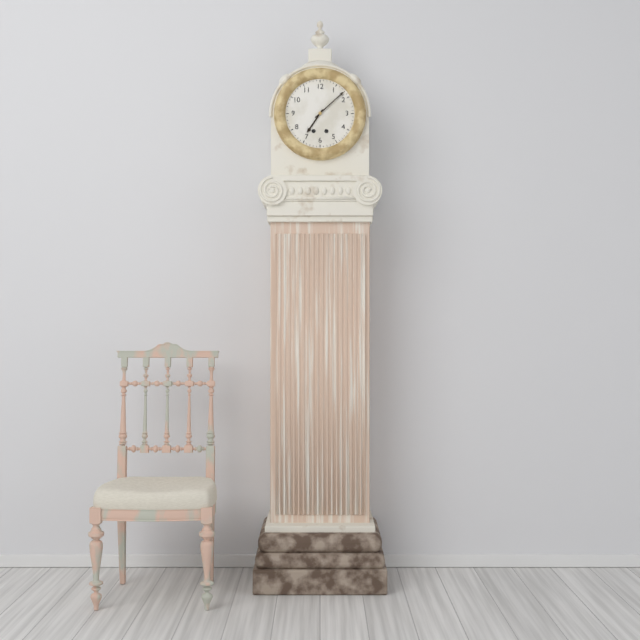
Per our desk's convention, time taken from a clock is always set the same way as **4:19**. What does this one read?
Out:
**7:08**
